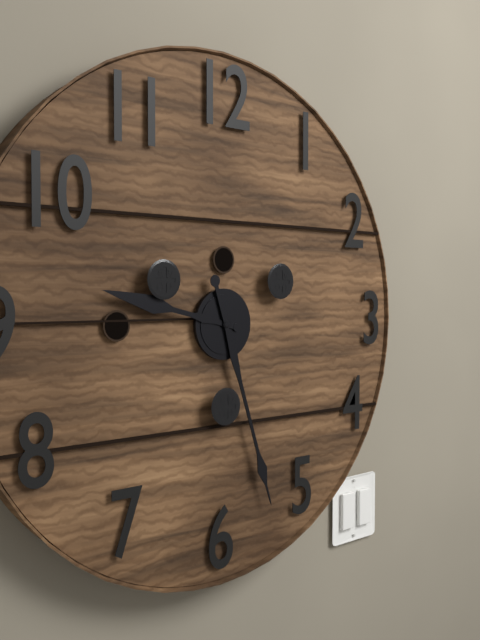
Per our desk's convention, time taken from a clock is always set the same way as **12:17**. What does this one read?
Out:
**9:27**
